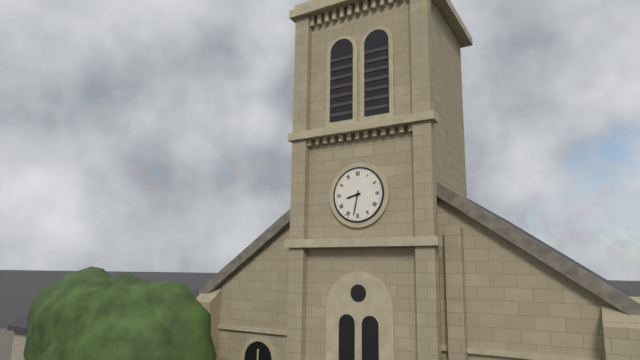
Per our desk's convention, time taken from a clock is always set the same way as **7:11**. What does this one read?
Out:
**8:32**
